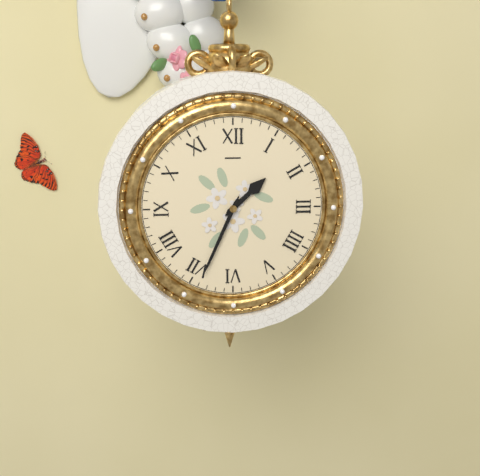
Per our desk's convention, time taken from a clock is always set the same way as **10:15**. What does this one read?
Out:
**1:34**
